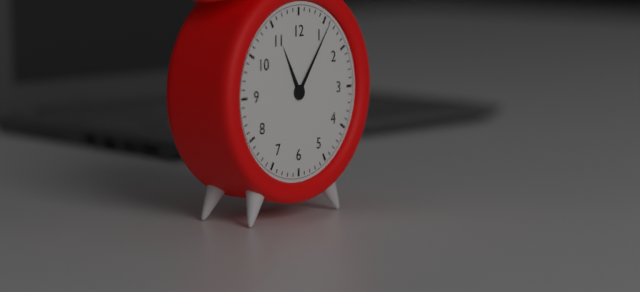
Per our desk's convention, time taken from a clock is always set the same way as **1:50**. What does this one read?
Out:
**11:06**
